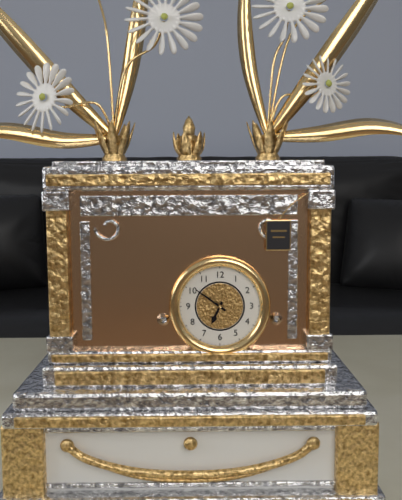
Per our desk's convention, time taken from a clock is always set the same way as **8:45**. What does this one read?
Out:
**6:51**
